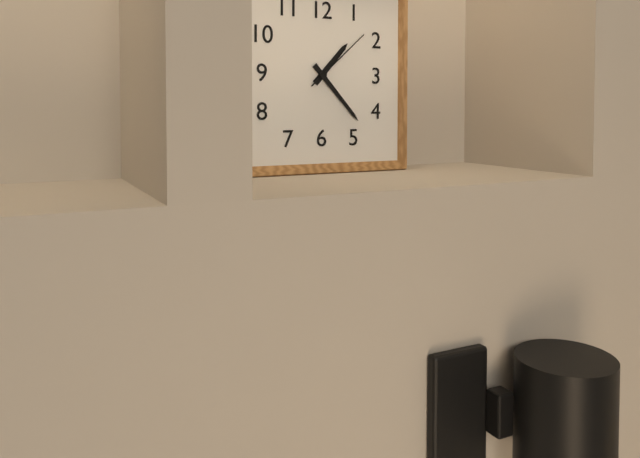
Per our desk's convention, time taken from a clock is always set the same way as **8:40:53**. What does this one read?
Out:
**1:23:08**
